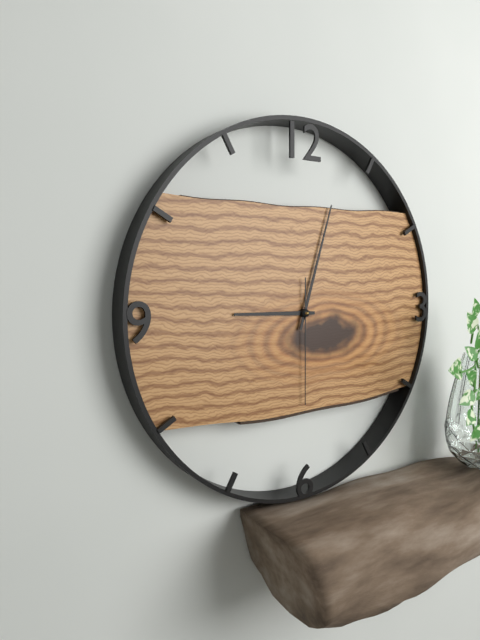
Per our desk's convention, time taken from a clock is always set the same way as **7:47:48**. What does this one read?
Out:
**9:03:30**
